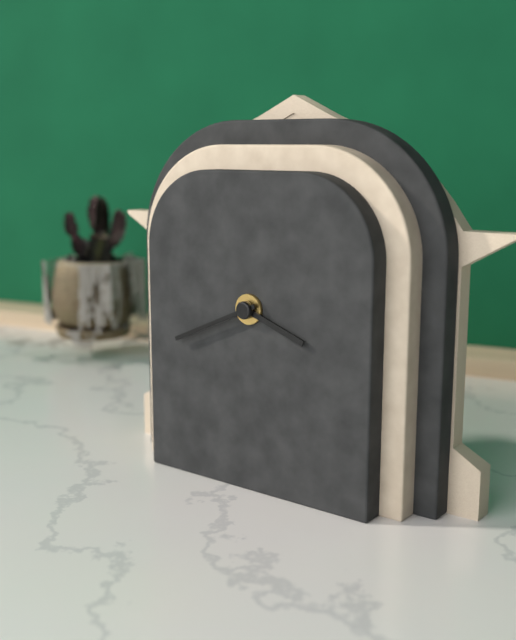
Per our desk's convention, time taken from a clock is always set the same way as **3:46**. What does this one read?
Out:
**3:41**
